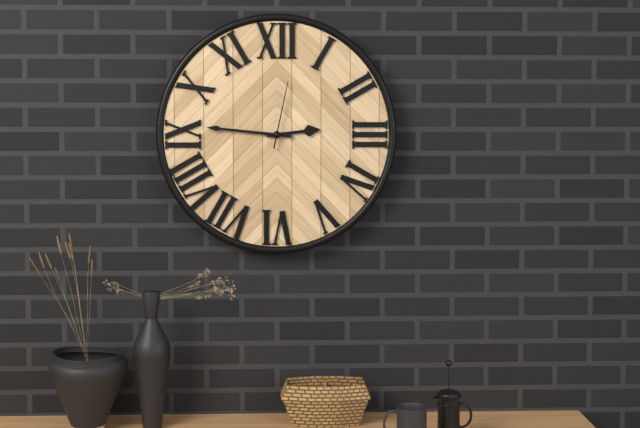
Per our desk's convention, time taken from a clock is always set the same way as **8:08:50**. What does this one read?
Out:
**2:46:02**
